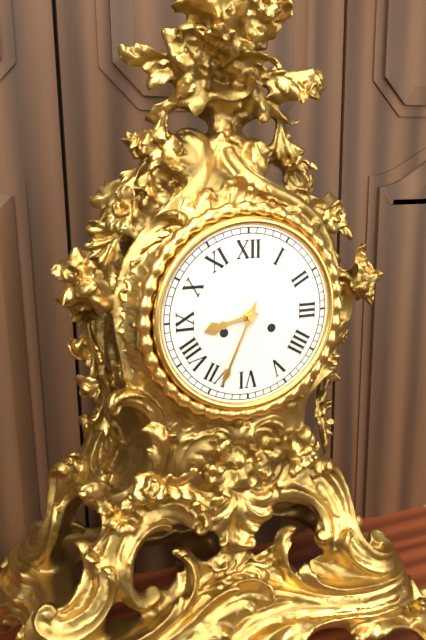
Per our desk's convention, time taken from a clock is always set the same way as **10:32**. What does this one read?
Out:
**8:34**
